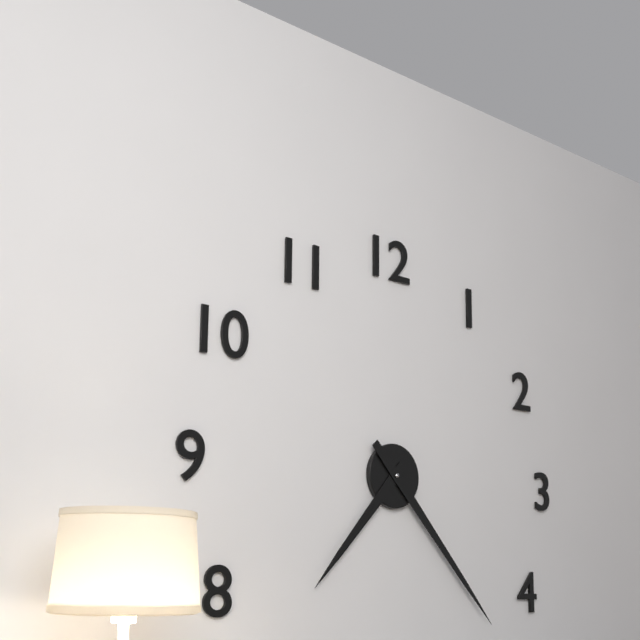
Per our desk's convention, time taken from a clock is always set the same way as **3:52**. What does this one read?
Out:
**7:23**
